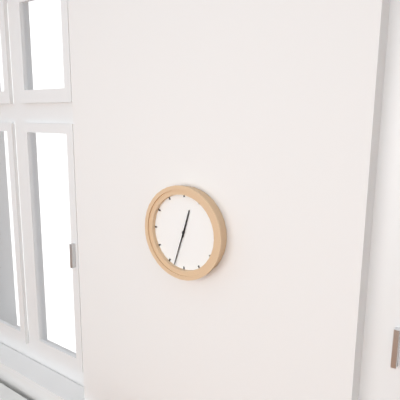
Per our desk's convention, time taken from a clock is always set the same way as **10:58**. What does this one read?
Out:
**12:33**
